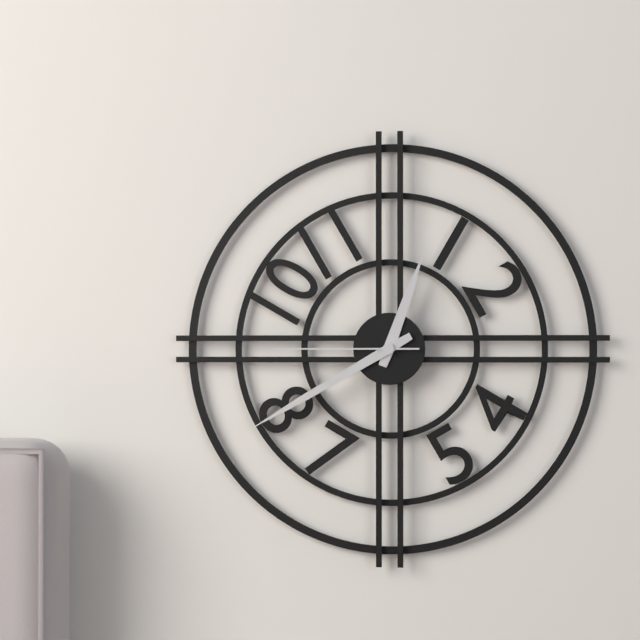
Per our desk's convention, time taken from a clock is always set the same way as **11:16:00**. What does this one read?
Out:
**12:40:45**
